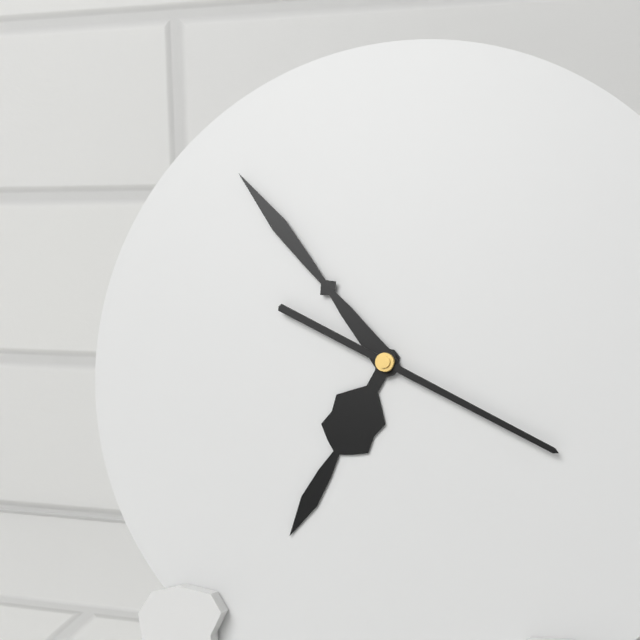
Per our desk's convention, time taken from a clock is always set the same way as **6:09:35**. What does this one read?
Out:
**6:53:19**
